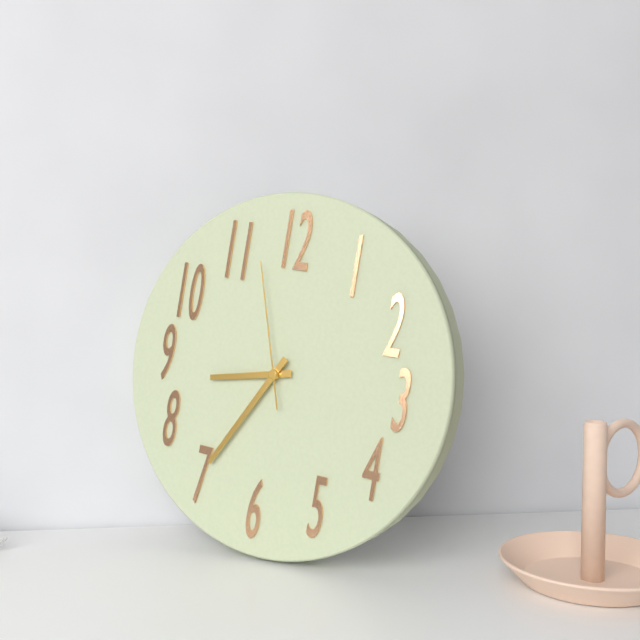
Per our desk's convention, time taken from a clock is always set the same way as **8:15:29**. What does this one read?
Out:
**8:35:57**
